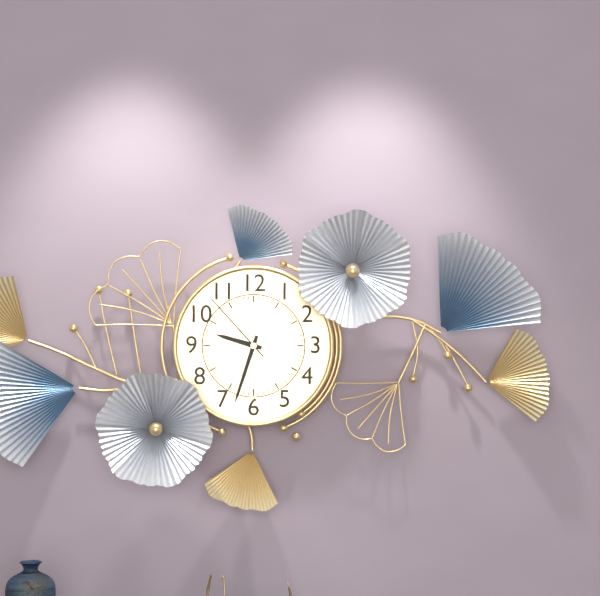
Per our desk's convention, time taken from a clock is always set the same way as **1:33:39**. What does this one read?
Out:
**9:33:53**
